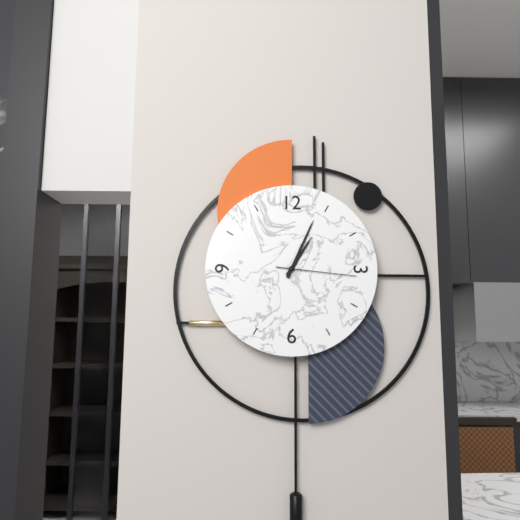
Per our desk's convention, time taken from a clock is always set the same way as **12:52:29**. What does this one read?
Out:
**1:04:16**
